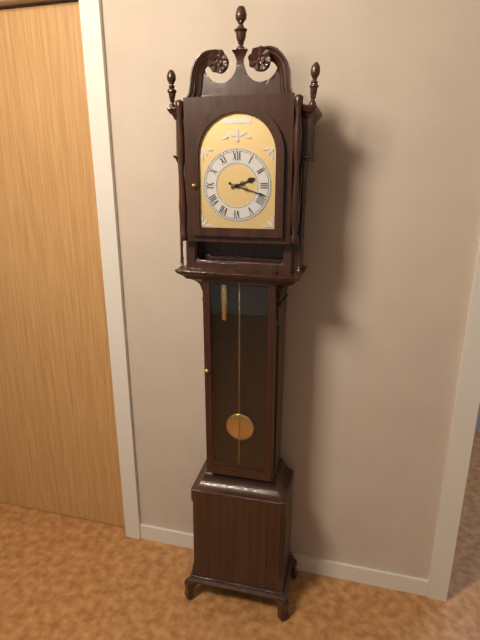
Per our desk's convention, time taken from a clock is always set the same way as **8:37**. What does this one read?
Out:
**2:18**
